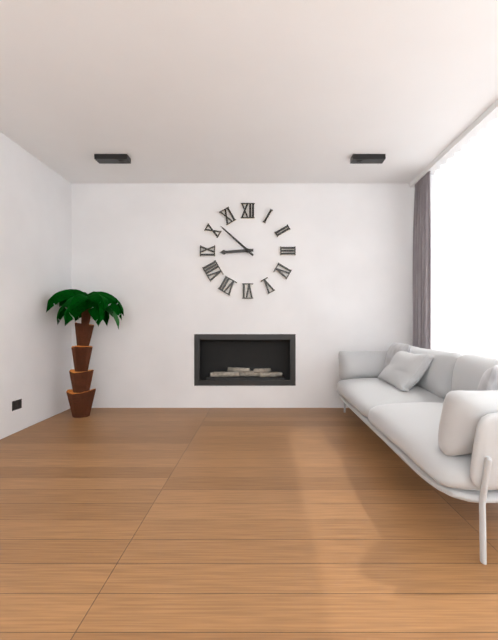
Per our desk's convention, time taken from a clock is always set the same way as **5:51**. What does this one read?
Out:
**8:52**
